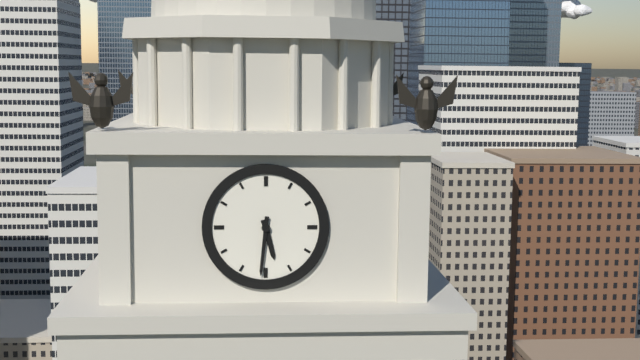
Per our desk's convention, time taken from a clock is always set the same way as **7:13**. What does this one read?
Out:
**5:31**
